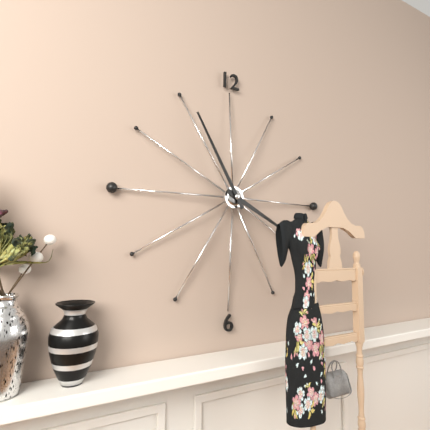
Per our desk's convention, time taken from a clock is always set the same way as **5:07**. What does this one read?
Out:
**3:55**
